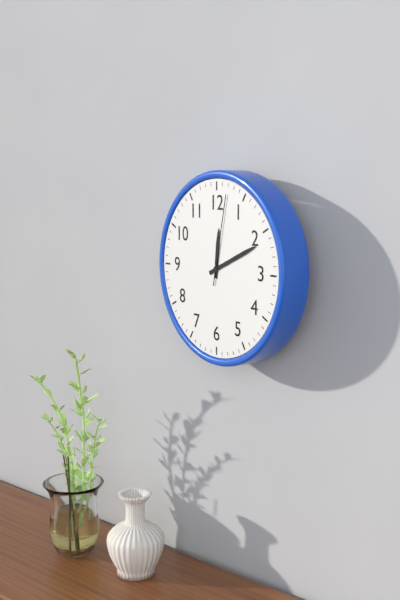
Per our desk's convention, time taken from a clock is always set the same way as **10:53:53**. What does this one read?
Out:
**12:11:02**
